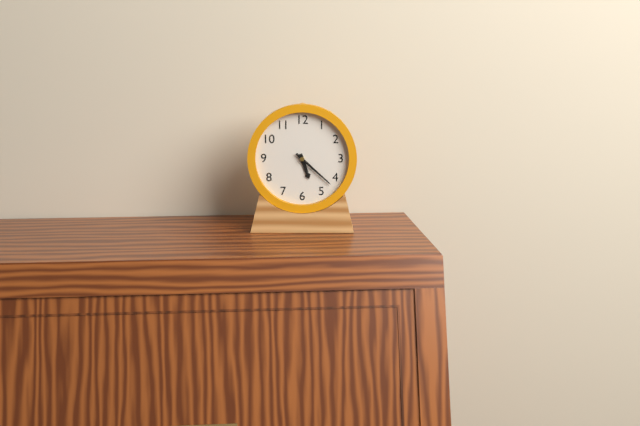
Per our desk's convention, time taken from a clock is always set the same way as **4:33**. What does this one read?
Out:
**5:22**
